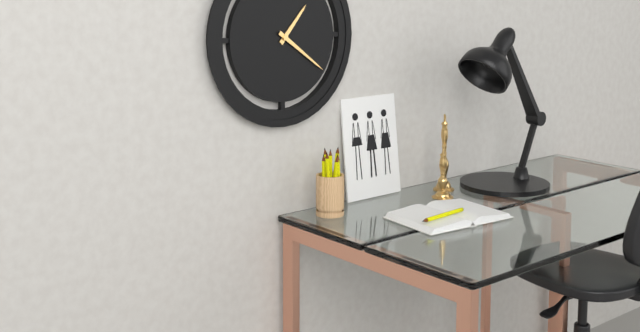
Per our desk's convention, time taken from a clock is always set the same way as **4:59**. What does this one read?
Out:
**1:21**
